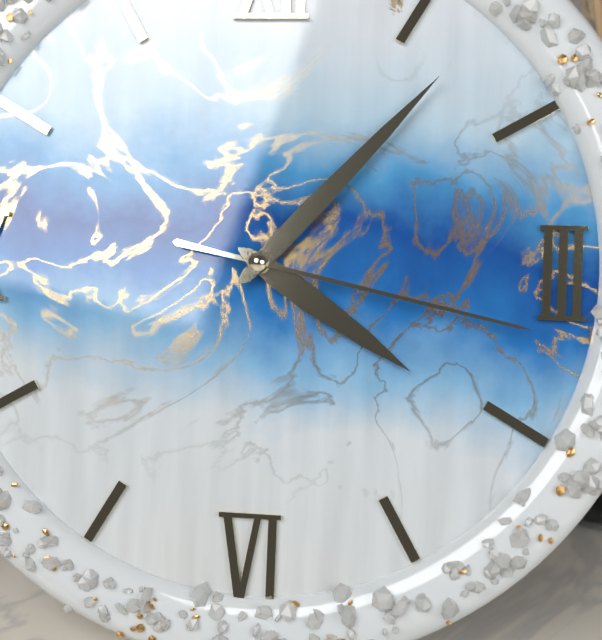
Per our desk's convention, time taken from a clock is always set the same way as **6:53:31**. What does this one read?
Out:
**4:07:17**
